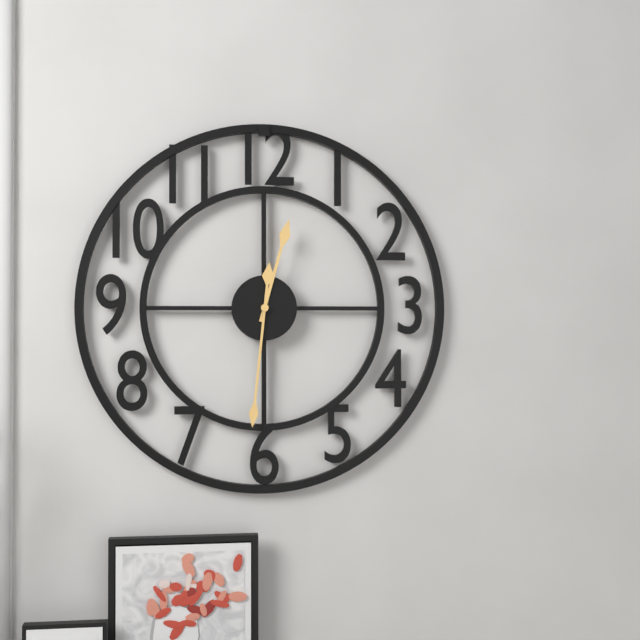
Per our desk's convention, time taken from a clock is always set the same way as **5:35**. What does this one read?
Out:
**12:31**
